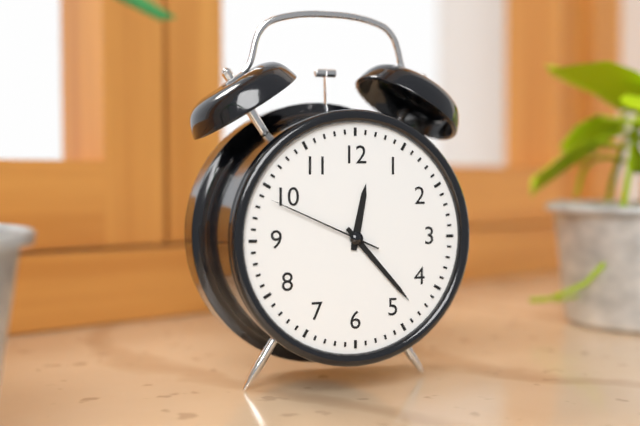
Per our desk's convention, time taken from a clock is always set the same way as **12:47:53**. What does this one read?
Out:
**12:23:49**
